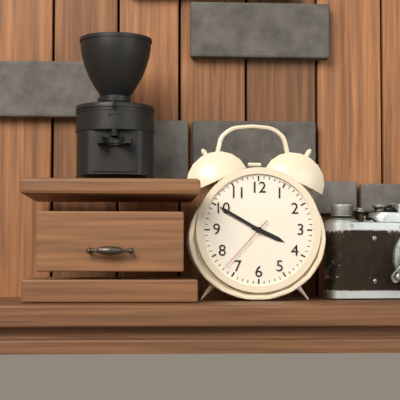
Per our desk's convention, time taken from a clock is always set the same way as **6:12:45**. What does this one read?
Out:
**3:50:37**
